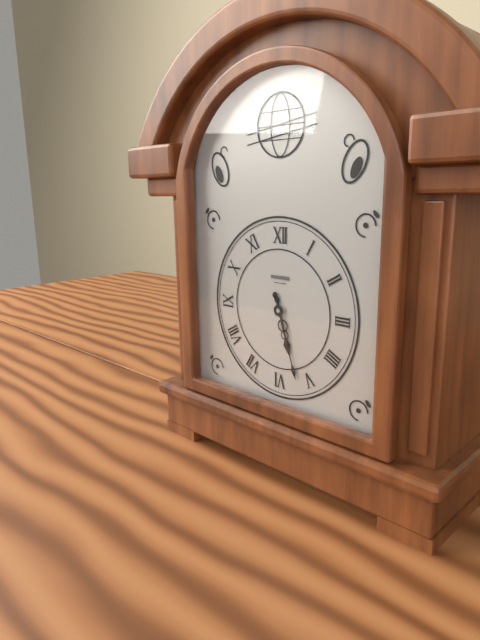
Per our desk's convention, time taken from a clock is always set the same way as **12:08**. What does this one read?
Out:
**5:27**
